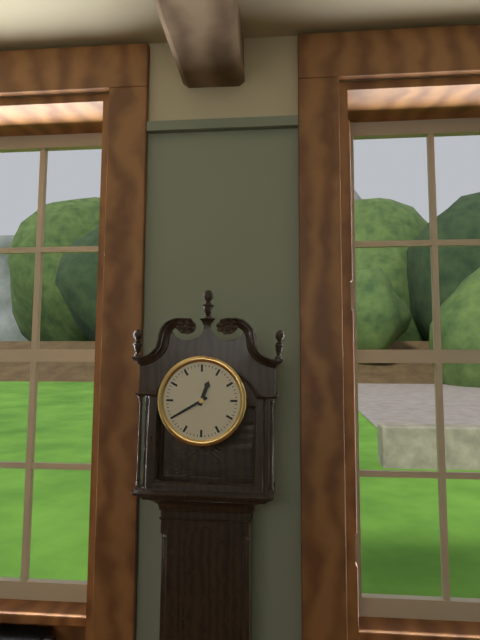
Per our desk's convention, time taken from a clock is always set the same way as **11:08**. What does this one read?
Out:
**12:40**
